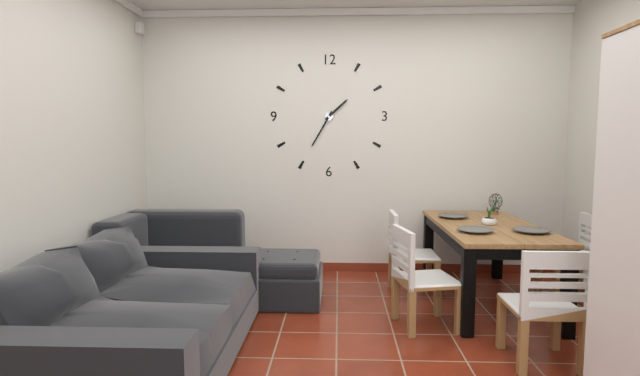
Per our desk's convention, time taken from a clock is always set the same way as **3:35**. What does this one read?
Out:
**1:35**
